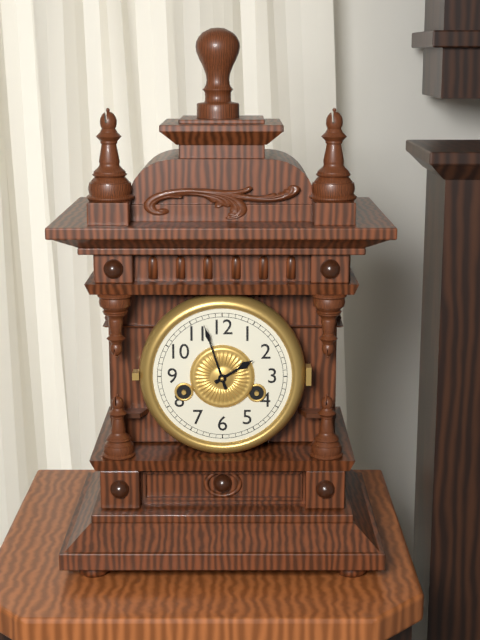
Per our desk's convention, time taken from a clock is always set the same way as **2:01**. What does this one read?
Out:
**1:57**
